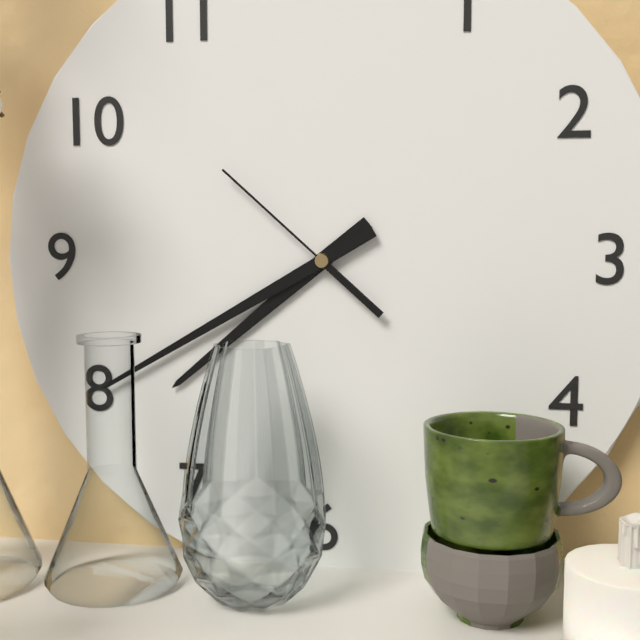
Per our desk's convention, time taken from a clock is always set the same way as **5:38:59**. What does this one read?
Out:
**7:40:52**
